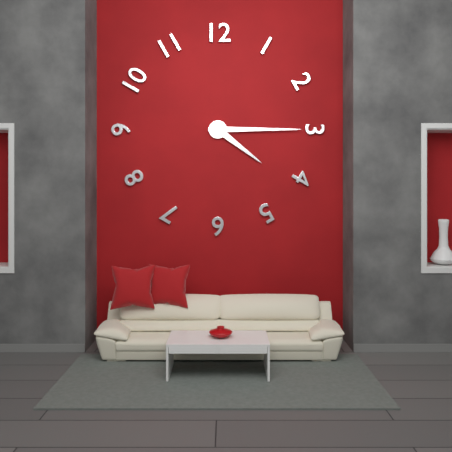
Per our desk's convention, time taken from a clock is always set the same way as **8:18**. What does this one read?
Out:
**4:15**
